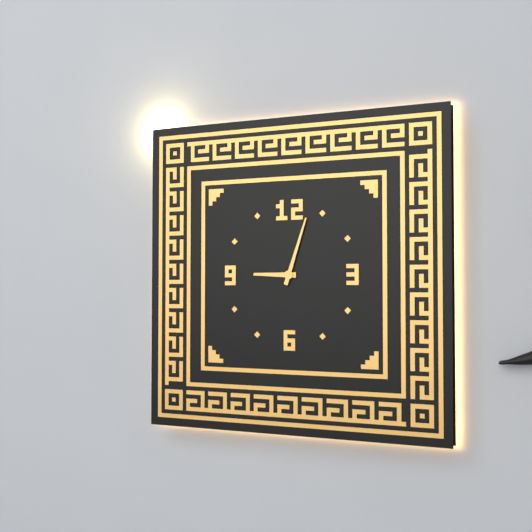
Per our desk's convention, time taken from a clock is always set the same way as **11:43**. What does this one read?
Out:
**9:03**
